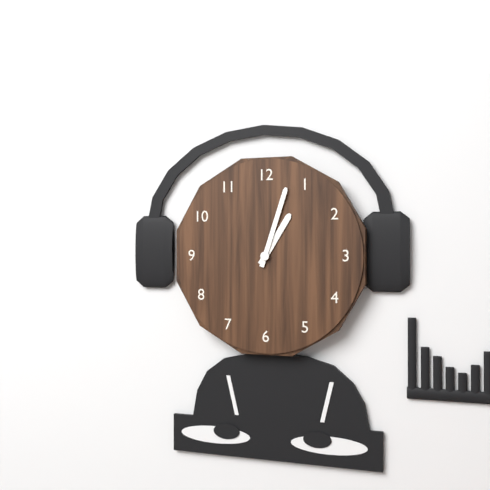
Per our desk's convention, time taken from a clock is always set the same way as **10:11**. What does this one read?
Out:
**1:03**
